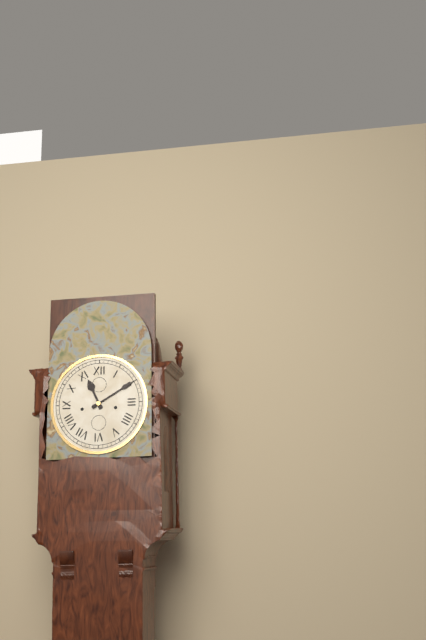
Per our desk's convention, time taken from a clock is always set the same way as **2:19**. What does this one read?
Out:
**11:10**
